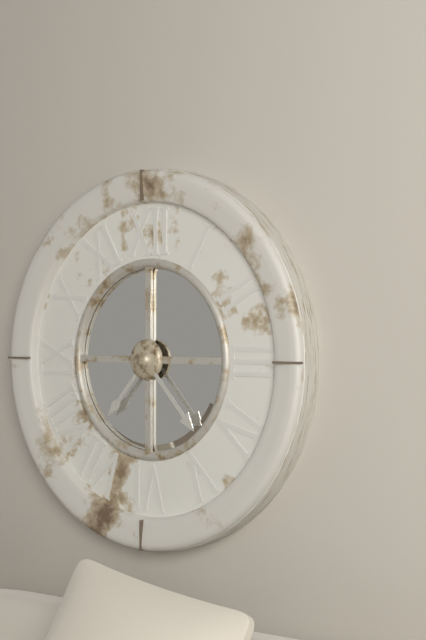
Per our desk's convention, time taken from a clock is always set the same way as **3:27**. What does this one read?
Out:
**7:23**
